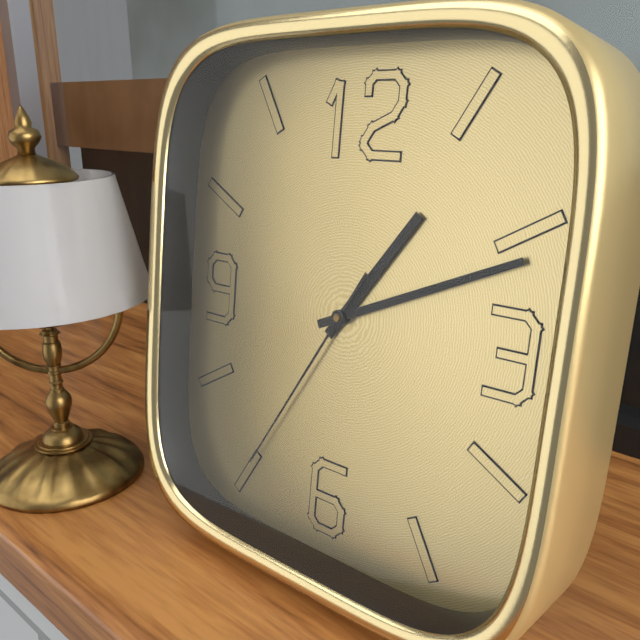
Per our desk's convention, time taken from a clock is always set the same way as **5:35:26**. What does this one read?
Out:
**1:11:35**
